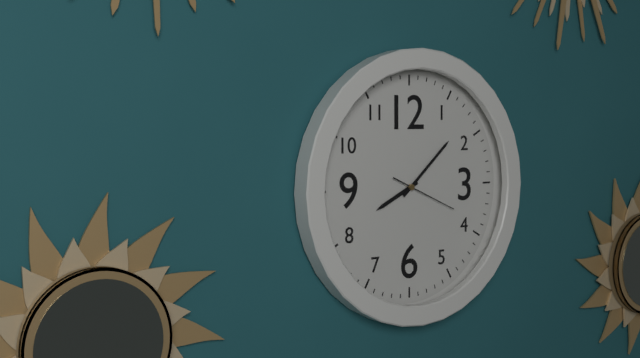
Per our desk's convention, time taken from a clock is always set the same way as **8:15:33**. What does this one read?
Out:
**8:08:19**
